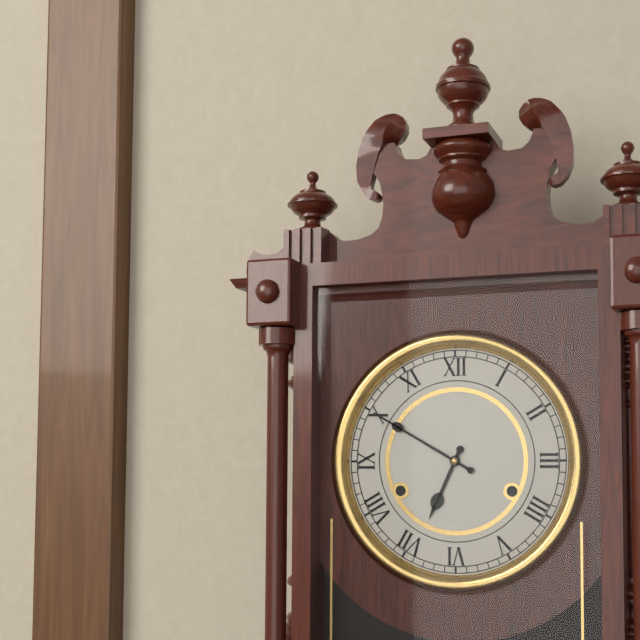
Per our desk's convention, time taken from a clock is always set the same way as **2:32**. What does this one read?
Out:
**6:50**
